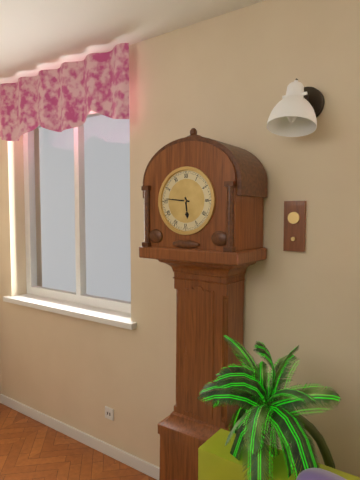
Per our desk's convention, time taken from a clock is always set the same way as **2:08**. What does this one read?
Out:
**5:46**
